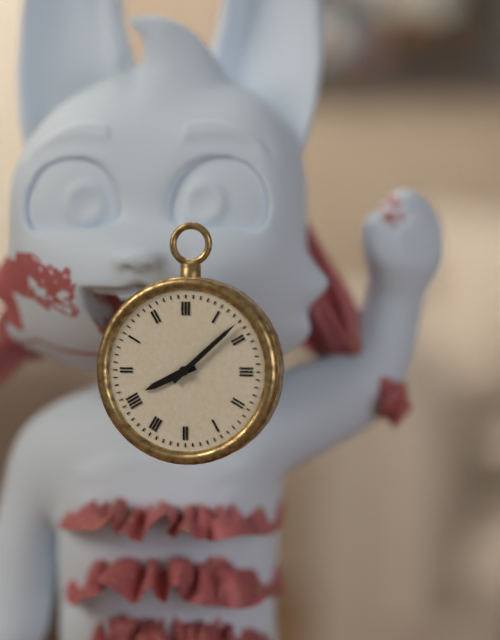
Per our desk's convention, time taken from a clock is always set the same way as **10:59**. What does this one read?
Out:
**8:08**
